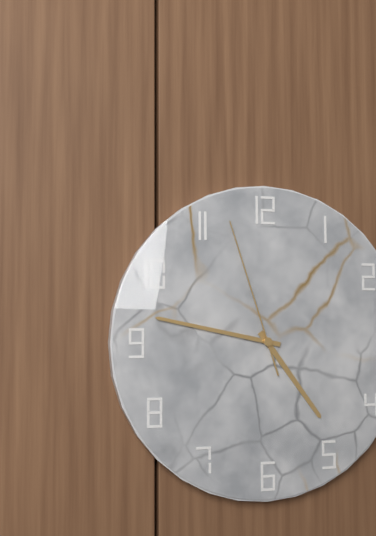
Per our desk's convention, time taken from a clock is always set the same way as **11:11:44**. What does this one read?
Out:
**4:47:57**
